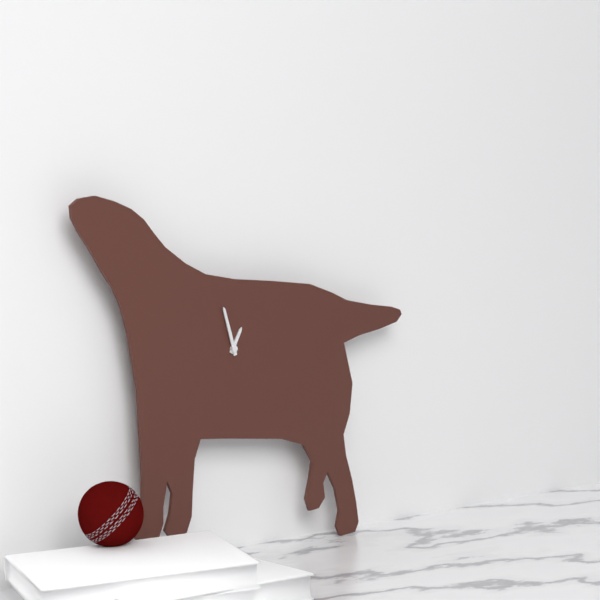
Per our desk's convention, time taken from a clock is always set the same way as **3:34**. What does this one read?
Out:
**12:57**
